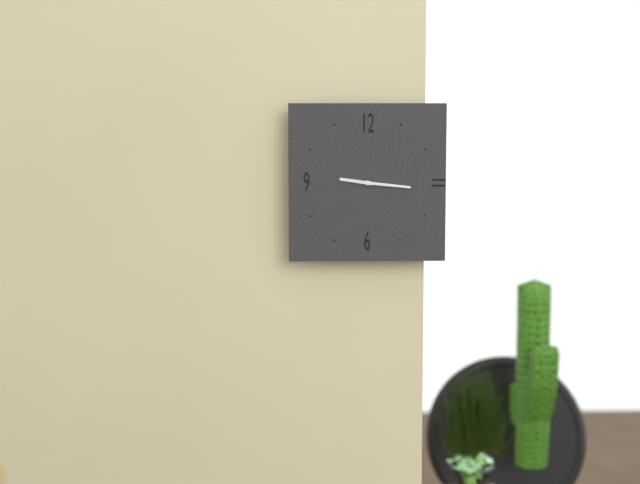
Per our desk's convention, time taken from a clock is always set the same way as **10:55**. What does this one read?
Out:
**9:16**
